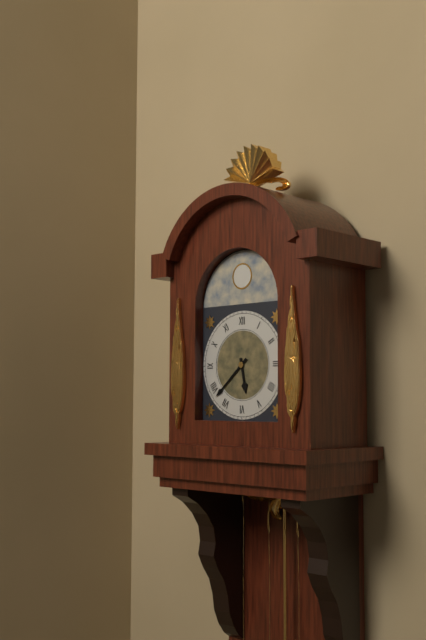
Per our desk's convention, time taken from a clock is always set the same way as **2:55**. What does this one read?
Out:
**5:38**
